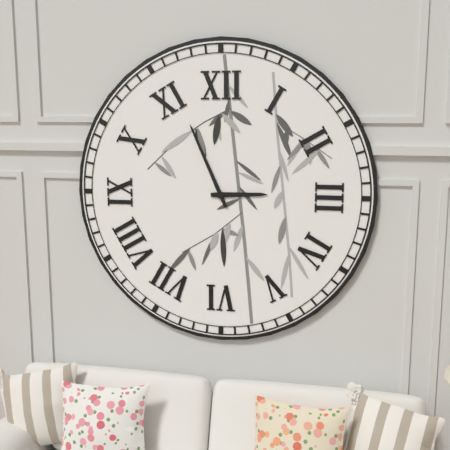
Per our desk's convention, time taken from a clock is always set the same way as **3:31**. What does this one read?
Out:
**2:56**
